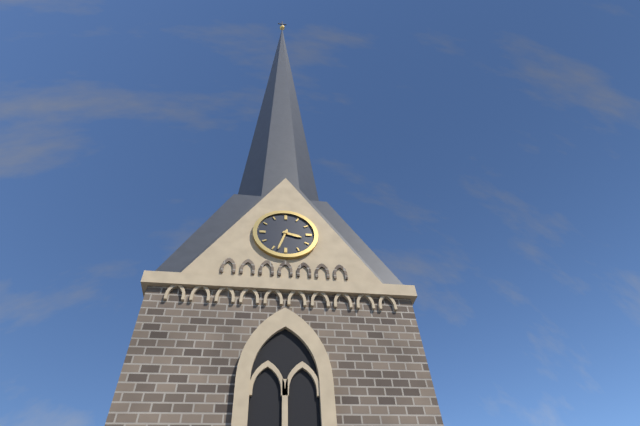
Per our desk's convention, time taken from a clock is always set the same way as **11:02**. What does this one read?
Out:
**3:33**
